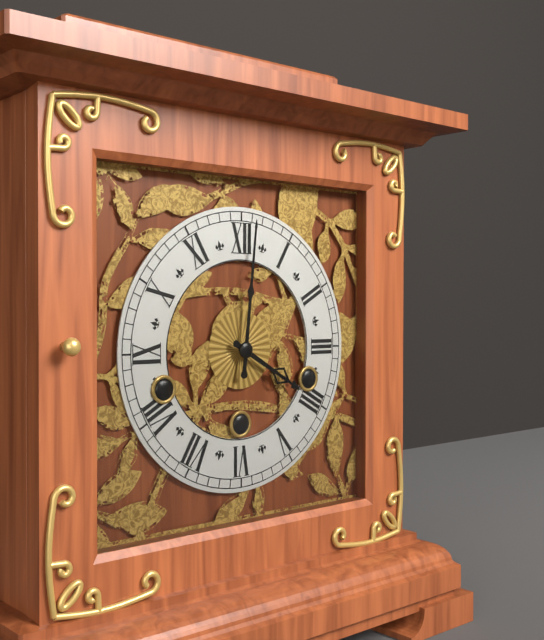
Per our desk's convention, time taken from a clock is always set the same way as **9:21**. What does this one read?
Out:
**4:01**
